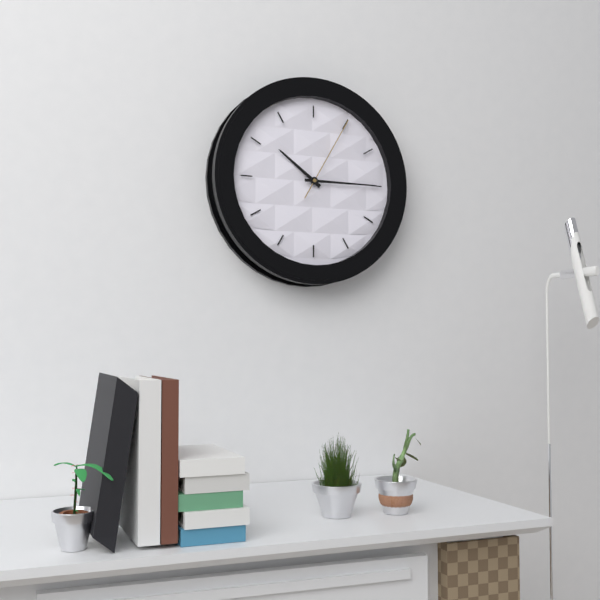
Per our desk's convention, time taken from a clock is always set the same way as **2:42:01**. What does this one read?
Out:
**10:15:05**
